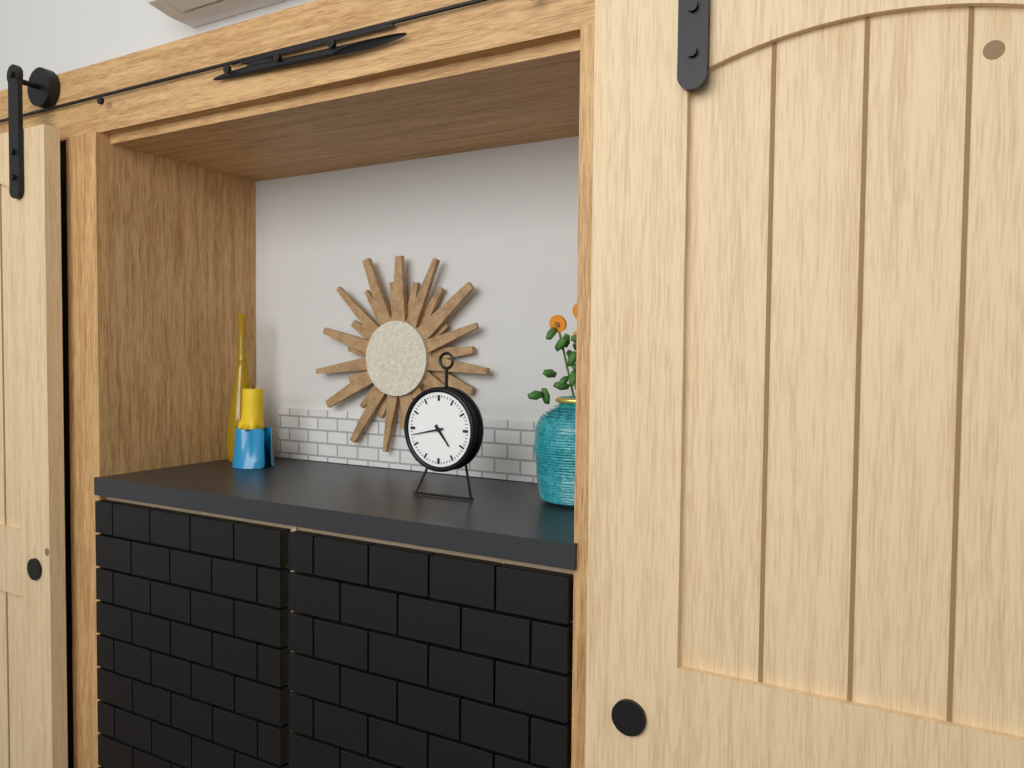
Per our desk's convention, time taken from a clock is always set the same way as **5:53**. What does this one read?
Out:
**4:43**
